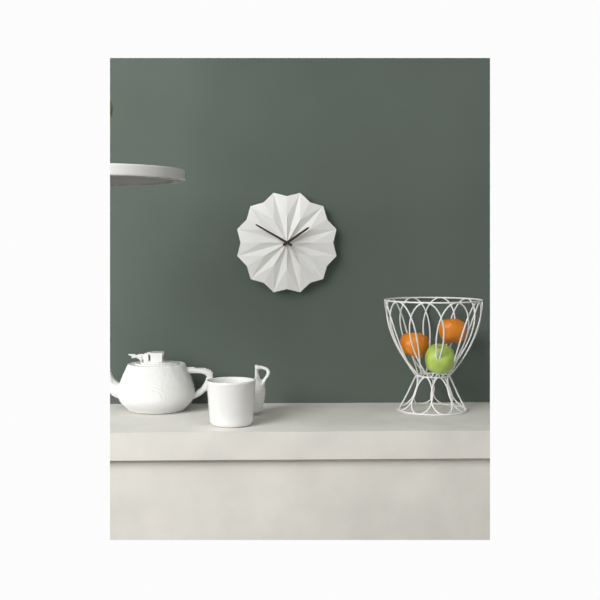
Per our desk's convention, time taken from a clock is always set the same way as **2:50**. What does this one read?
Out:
**1:50**
